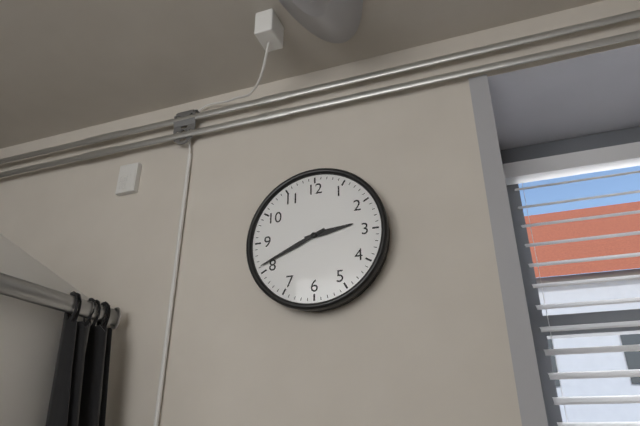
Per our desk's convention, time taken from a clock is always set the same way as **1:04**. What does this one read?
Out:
**2:41**
